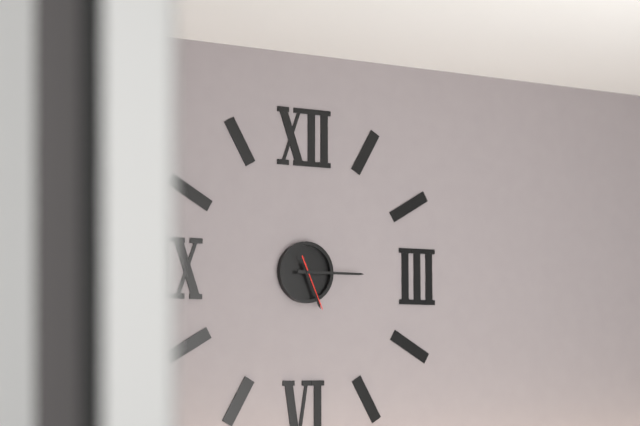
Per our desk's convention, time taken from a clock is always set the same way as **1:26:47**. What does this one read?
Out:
**5:15:26**
